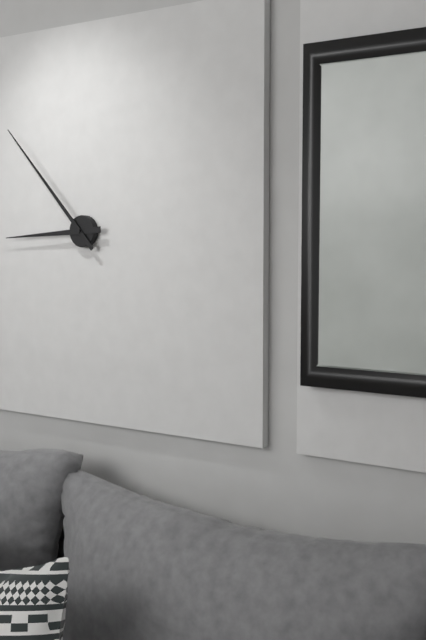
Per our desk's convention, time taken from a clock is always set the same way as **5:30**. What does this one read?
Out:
**8:53**
